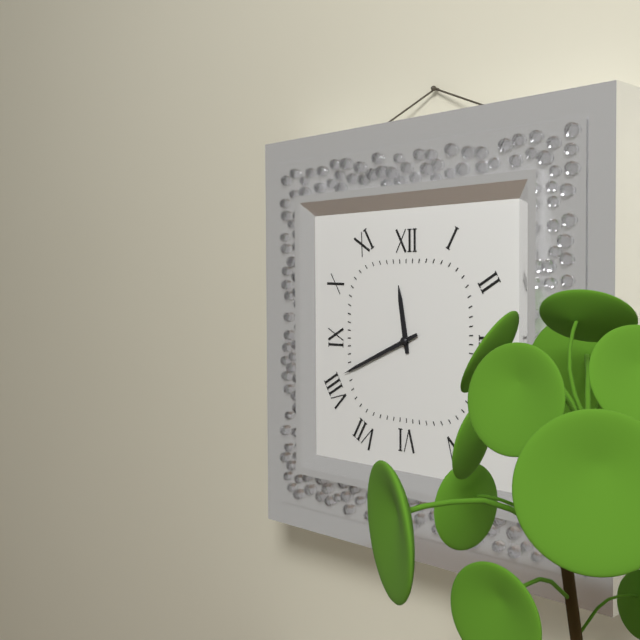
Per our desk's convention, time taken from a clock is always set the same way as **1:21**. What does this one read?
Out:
**11:41**
